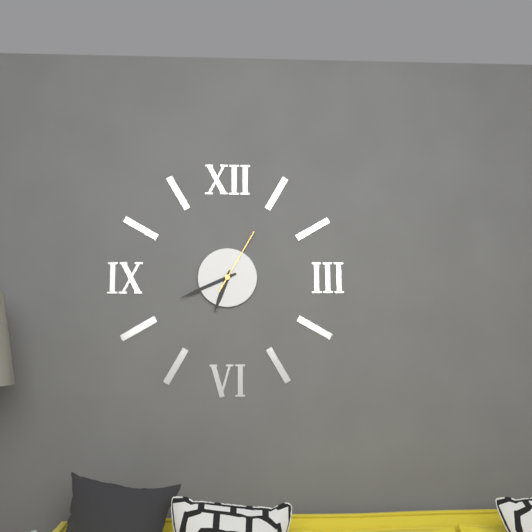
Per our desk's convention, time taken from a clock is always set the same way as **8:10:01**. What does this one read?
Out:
**6:41:05**
